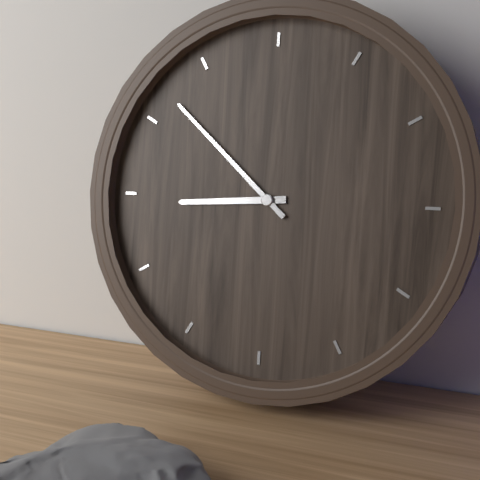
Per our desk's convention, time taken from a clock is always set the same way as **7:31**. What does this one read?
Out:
**8:52**
